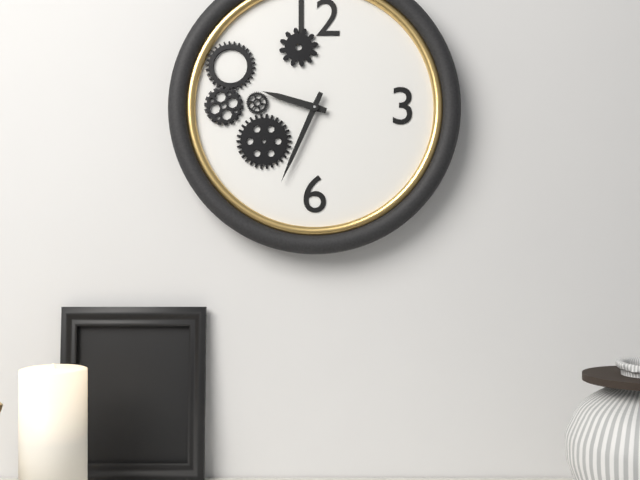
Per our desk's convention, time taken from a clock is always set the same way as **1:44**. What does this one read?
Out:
**9:34**
